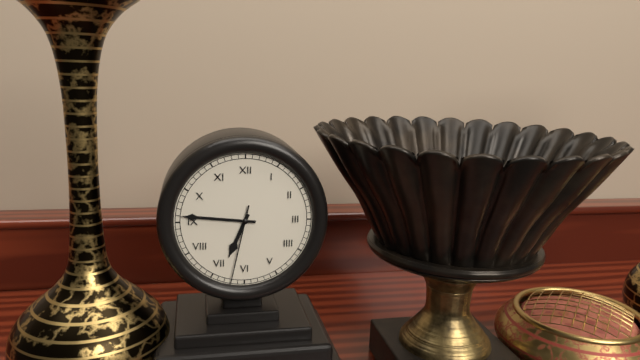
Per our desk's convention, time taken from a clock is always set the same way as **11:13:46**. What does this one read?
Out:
**6:46:32**
